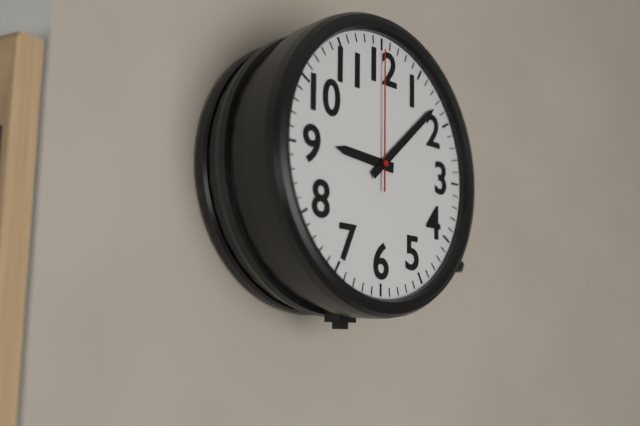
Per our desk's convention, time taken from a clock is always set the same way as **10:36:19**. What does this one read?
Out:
**9:08:00**
